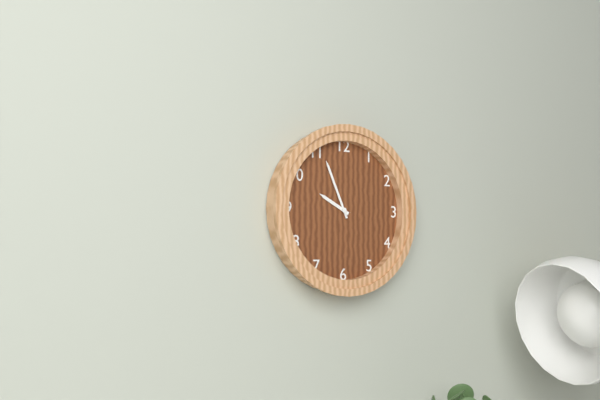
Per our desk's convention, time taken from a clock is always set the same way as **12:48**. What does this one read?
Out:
**9:56**
